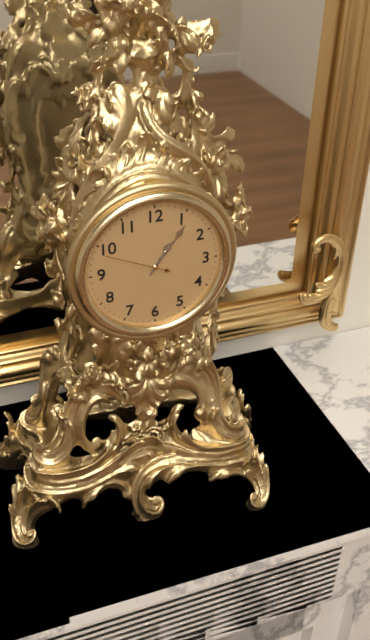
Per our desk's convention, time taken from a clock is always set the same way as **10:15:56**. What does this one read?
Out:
**1:06:49**
